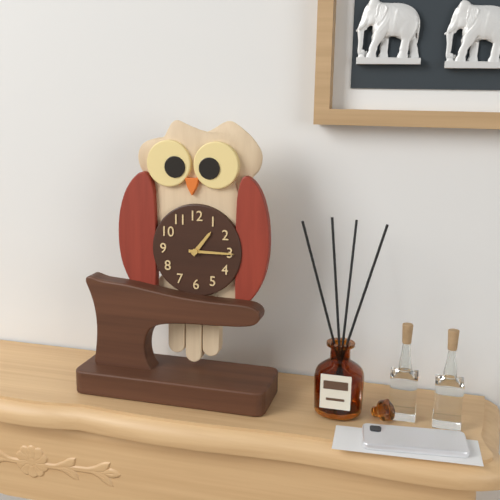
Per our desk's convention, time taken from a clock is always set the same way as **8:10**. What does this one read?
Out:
**1:15**
